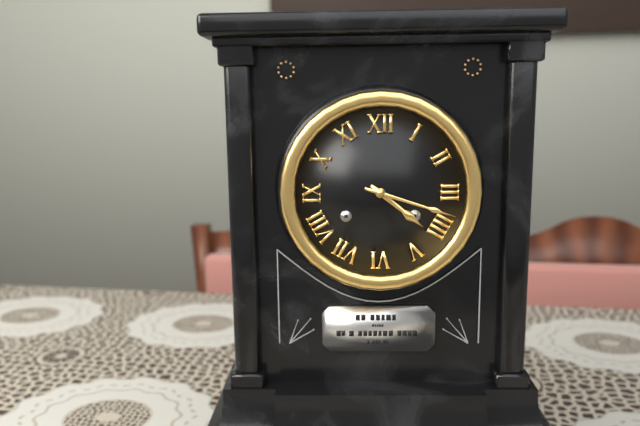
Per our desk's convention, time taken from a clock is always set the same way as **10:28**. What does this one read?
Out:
**4:18**
